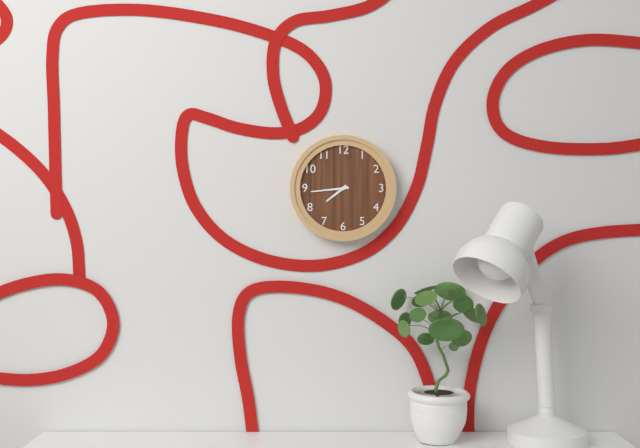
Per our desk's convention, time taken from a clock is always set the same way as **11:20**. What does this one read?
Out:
**7:44**
